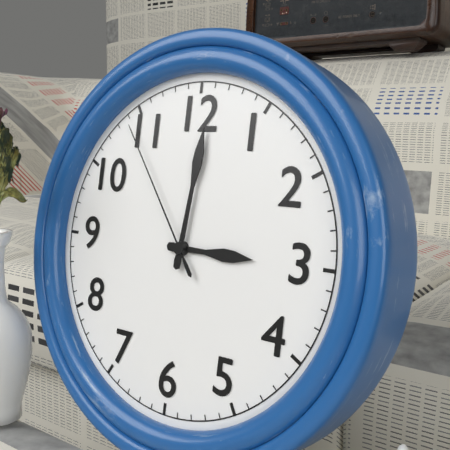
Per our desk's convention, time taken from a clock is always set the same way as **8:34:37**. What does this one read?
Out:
**3:01:54**
